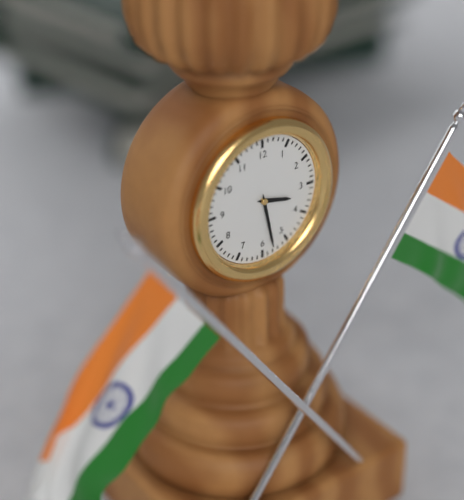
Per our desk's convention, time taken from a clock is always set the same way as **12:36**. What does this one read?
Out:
**3:28**
